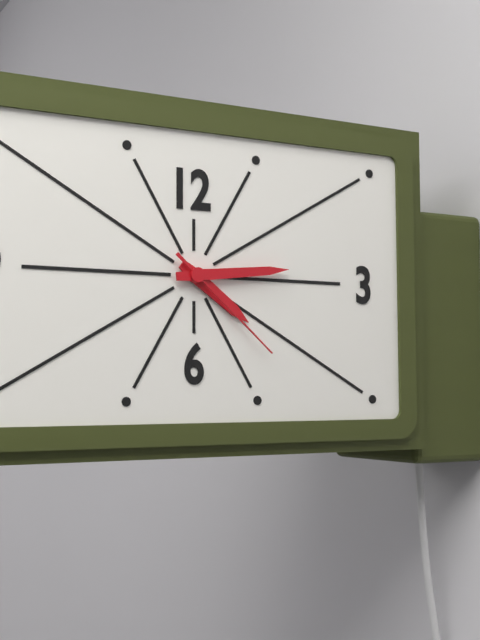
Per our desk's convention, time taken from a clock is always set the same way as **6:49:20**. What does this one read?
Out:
**4:14:22**
